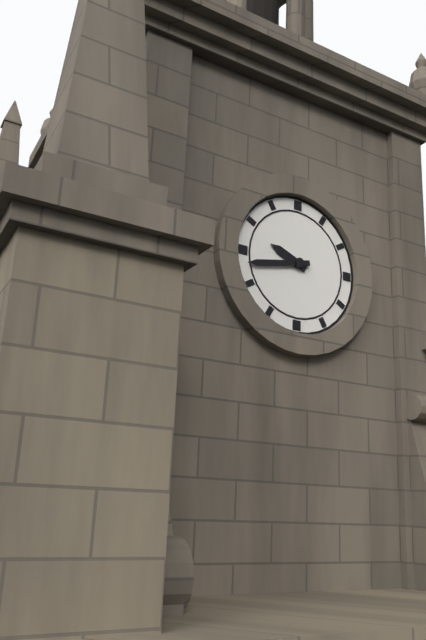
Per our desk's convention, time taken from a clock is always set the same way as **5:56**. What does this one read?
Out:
**9:43**
